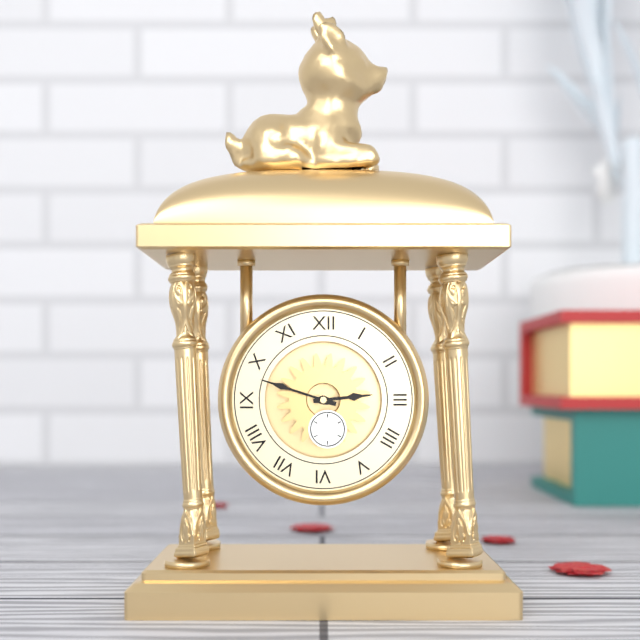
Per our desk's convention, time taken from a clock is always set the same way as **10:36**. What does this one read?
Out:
**2:48**
